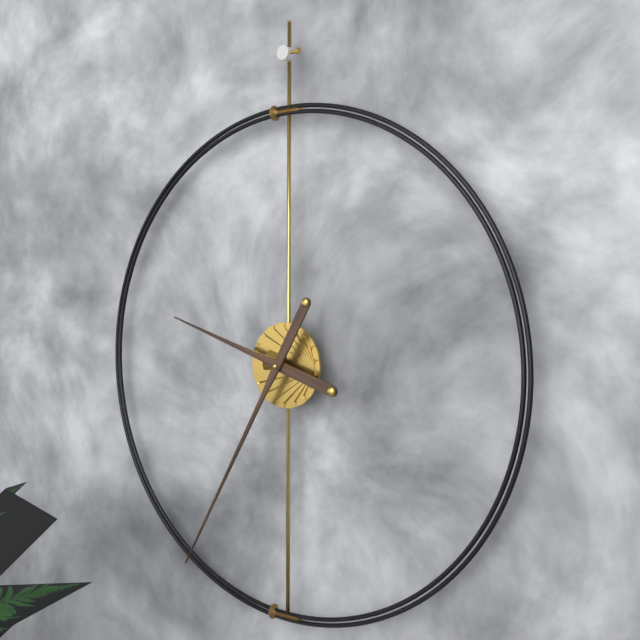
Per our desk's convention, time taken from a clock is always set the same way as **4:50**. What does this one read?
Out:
**9:35**
